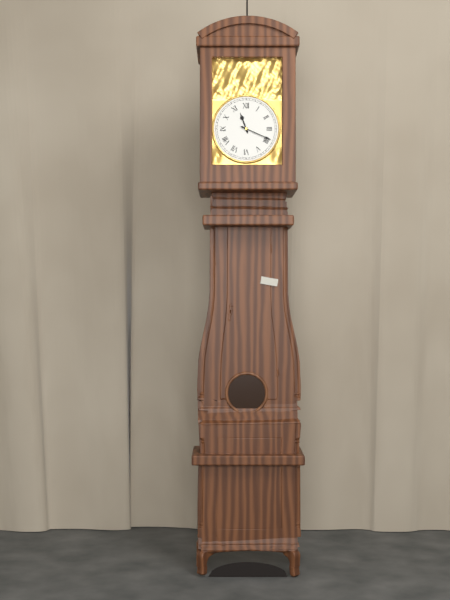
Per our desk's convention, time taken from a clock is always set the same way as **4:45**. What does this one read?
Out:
**11:19**
